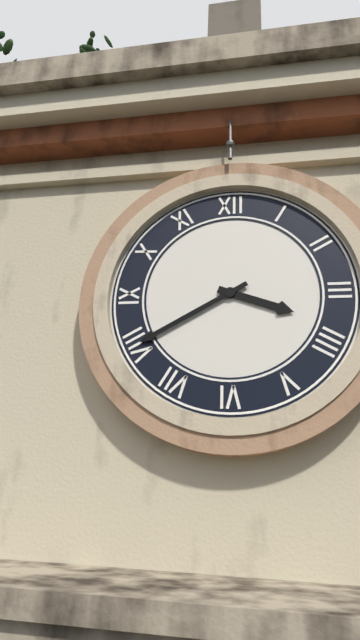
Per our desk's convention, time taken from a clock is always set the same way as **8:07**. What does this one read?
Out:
**3:40**
